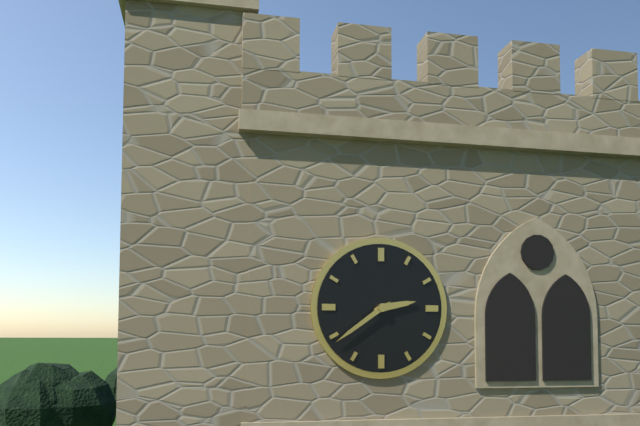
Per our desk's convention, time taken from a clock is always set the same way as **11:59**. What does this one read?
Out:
**2:39**
